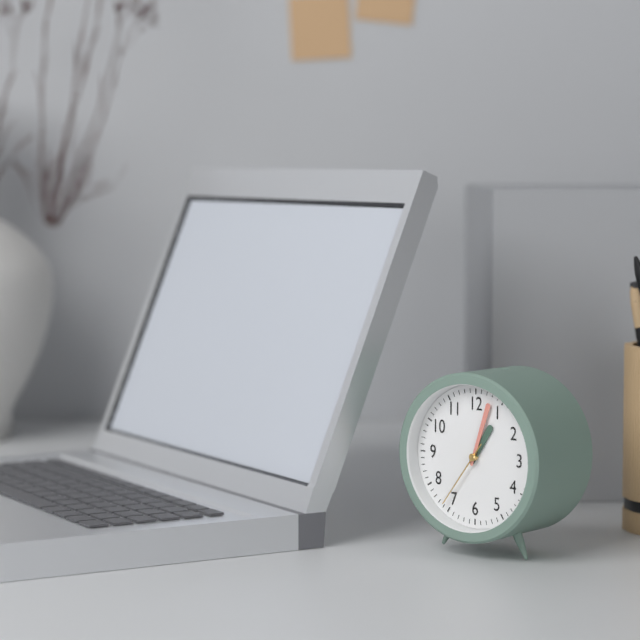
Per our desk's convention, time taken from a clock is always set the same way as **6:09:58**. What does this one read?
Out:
**1:03:36**
